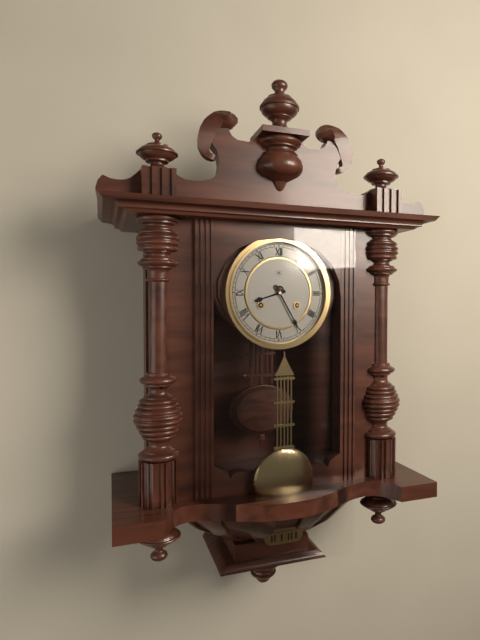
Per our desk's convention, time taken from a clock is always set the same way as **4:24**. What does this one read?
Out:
**8:25**
